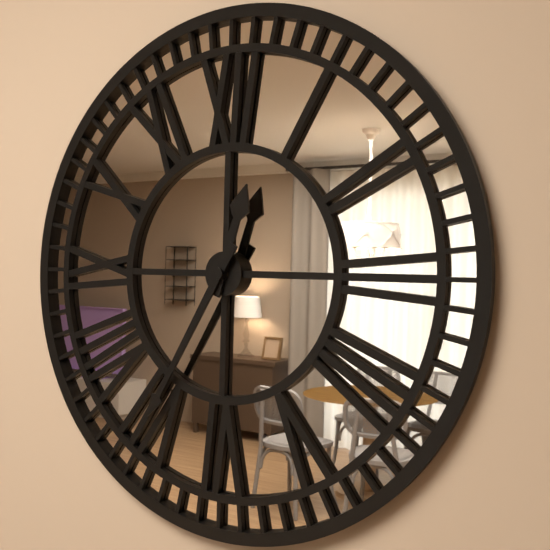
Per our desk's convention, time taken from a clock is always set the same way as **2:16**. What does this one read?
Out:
**12:35**
